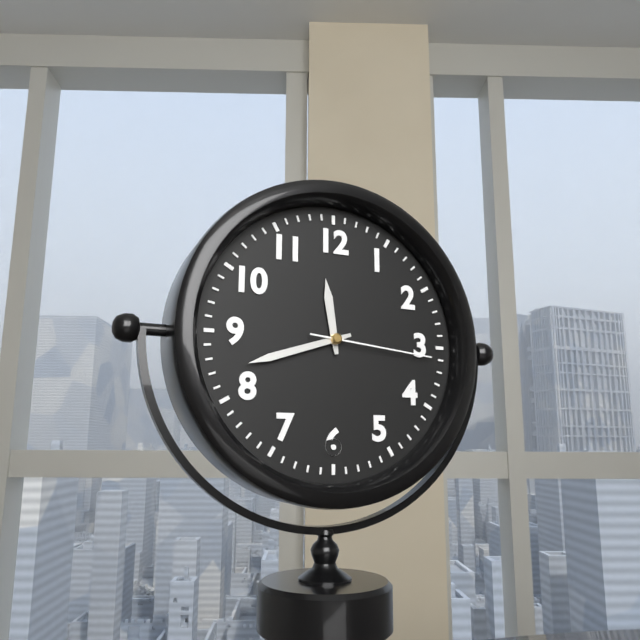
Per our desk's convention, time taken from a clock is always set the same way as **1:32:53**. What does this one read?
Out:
**11:42:16**
